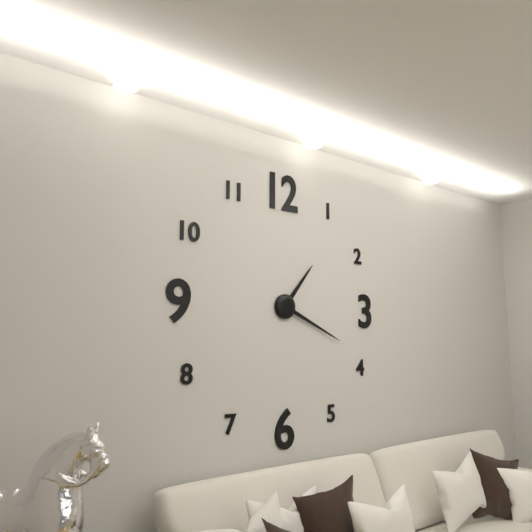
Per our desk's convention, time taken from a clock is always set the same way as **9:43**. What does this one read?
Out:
**1:19**
